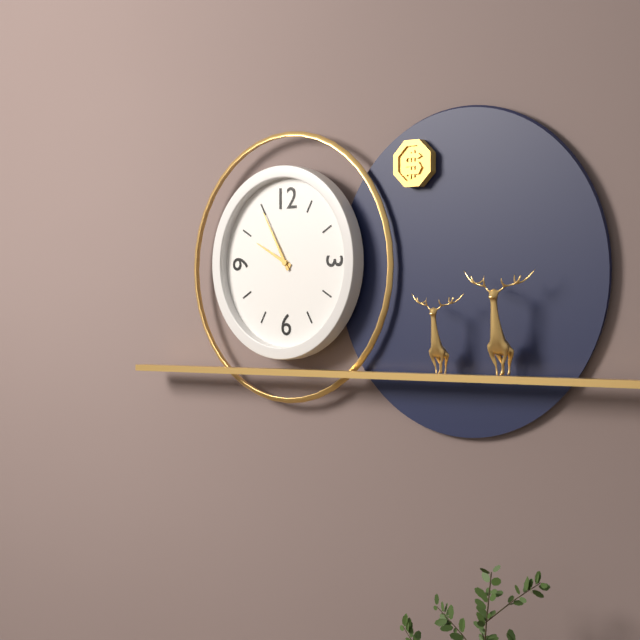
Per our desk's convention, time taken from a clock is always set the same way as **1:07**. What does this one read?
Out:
**9:55**
